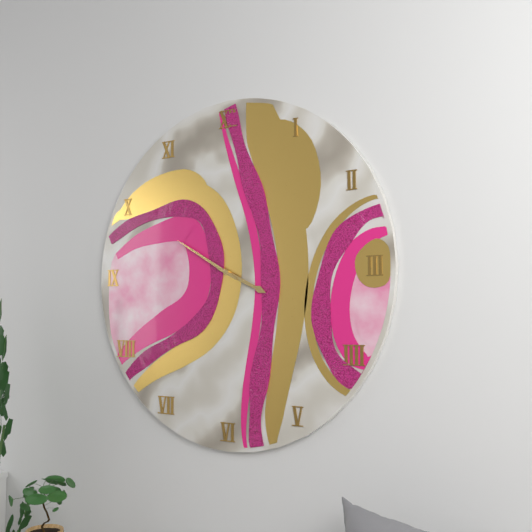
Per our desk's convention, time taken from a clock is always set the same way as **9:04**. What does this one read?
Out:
**3:50**
